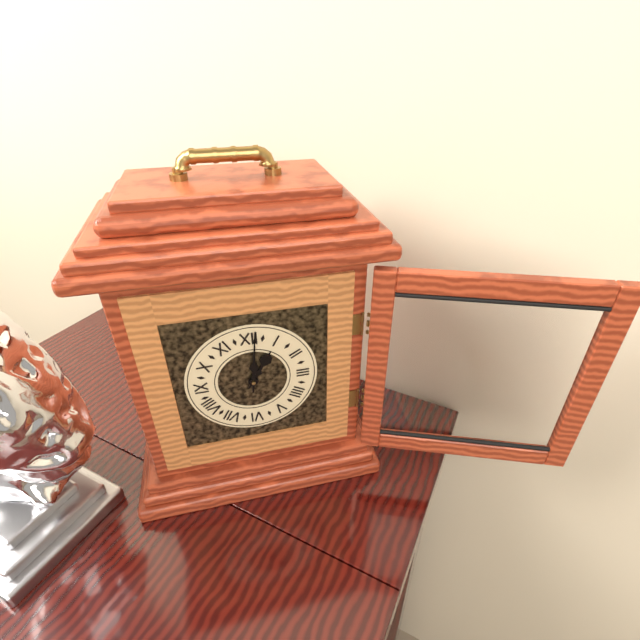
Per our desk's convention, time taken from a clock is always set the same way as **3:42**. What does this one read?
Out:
**1:01**
